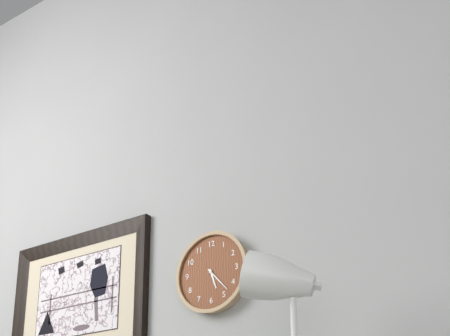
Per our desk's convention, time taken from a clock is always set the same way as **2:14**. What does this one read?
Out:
**5:23**
